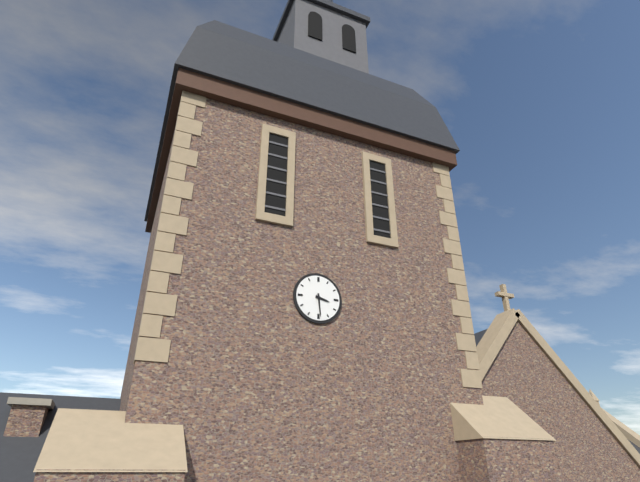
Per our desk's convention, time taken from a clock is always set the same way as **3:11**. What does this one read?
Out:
**3:29**
